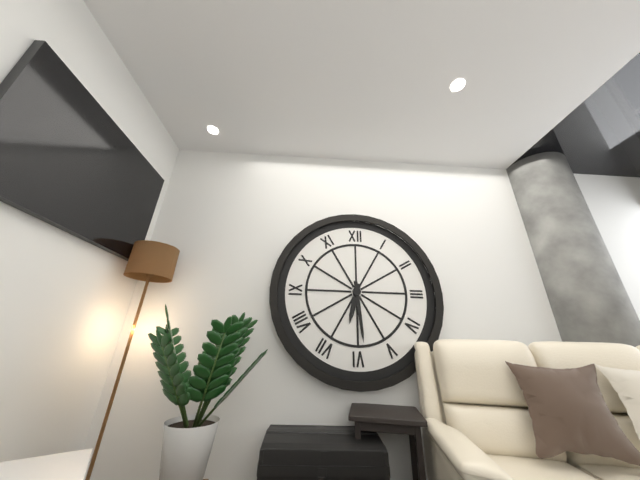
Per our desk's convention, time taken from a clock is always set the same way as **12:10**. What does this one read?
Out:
**6:29**
